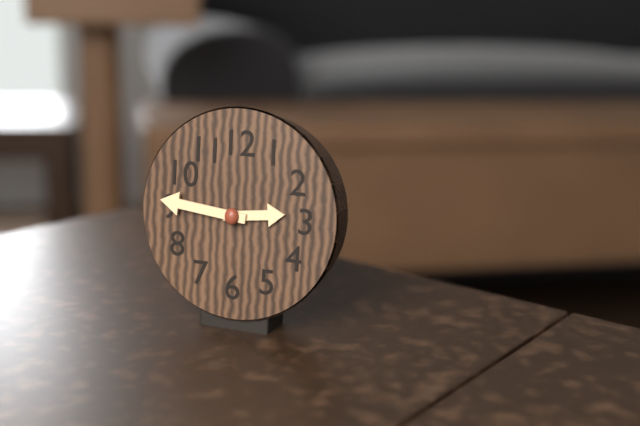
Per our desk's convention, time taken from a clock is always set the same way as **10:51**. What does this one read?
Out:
**2:46**
